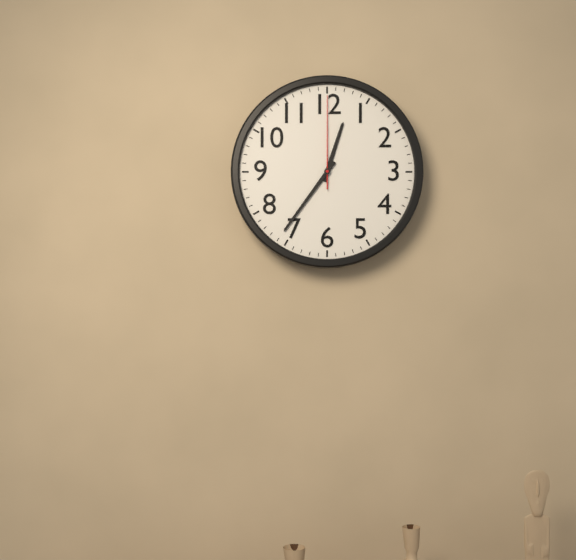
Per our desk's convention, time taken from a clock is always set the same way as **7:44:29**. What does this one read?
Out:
**12:36:00**
